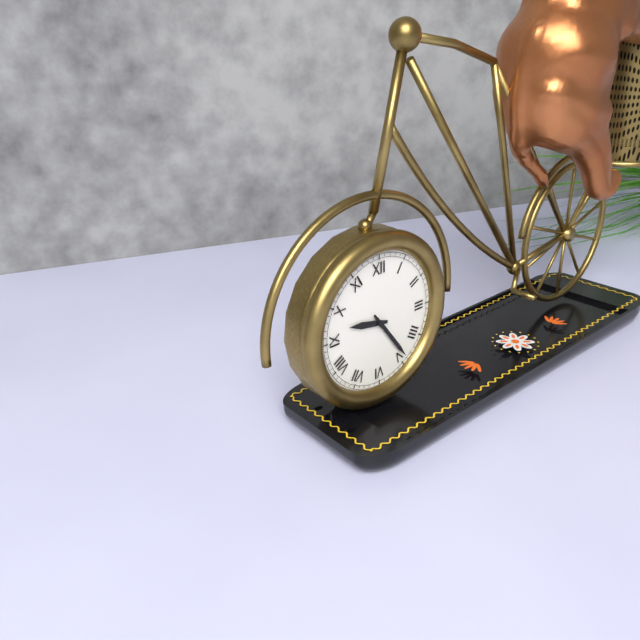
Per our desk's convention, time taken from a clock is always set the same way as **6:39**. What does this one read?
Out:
**9:24**
